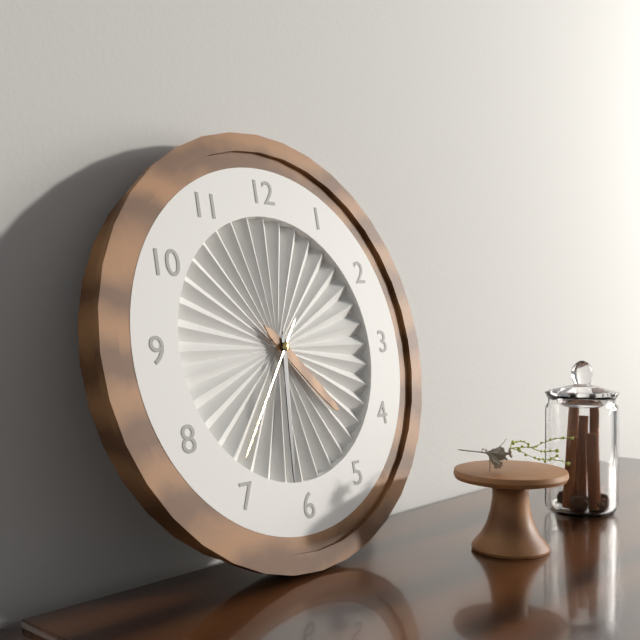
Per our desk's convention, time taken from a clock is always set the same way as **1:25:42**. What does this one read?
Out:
**4:31:36**
